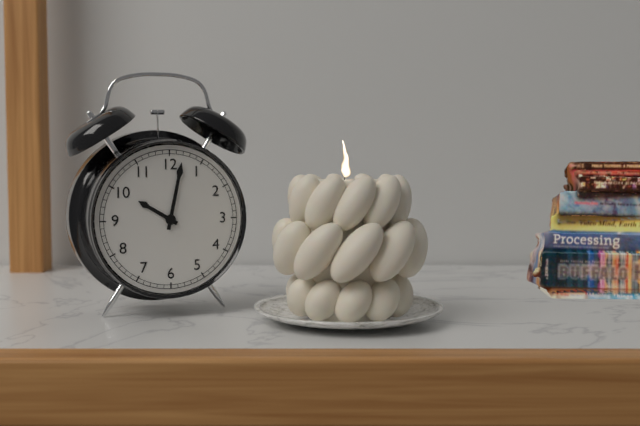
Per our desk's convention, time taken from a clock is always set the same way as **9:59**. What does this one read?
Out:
**10:02**
